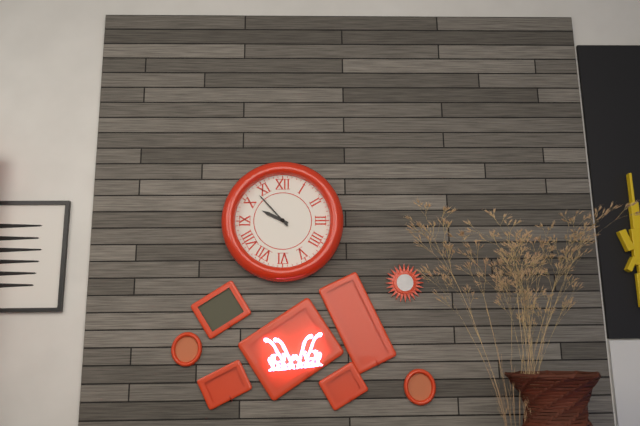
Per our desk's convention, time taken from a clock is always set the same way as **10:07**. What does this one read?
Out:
**9:53**
